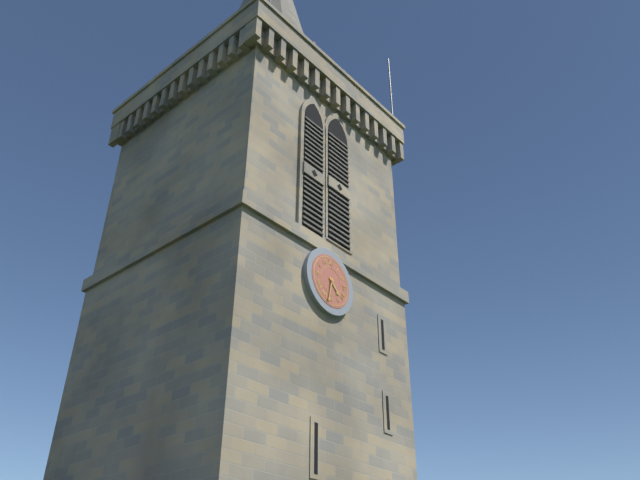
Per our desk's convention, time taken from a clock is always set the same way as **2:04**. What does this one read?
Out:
**4:32**
